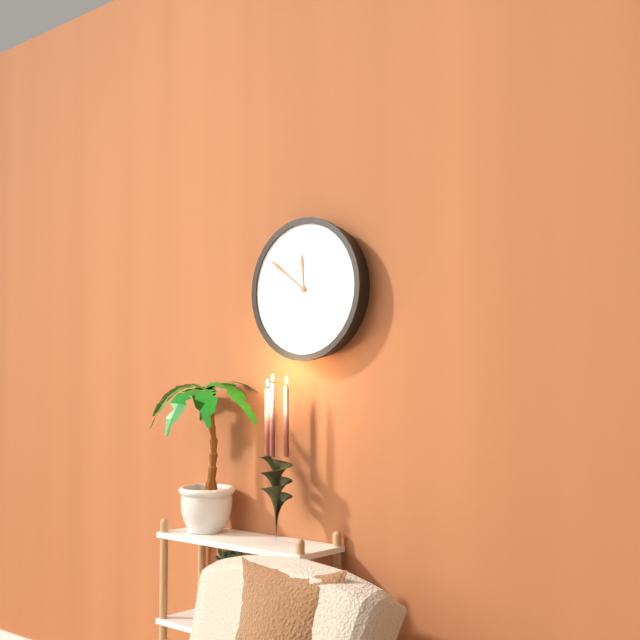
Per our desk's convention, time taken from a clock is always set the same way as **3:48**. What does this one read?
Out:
**11:51**
